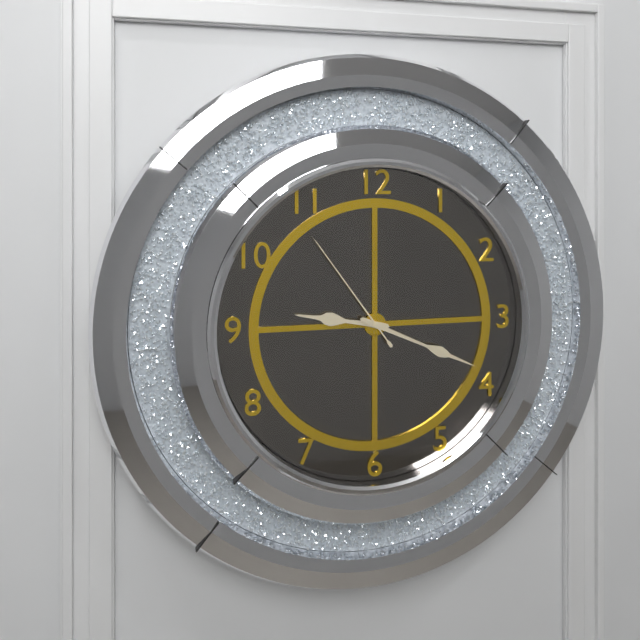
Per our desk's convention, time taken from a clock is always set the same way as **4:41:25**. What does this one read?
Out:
**9:19:54**
